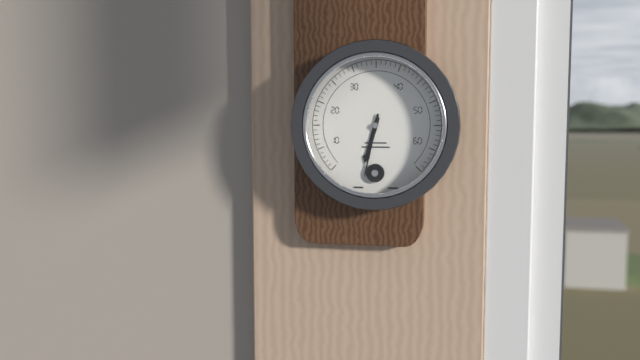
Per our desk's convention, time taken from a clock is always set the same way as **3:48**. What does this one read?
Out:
**6:32**
